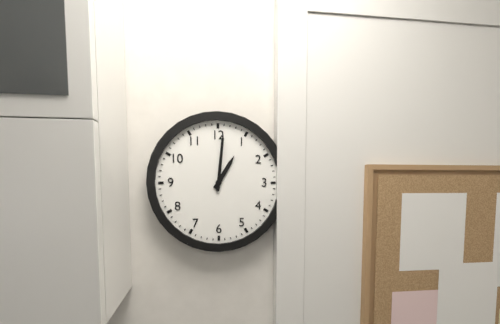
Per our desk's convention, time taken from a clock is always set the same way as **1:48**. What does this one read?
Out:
**1:01**
